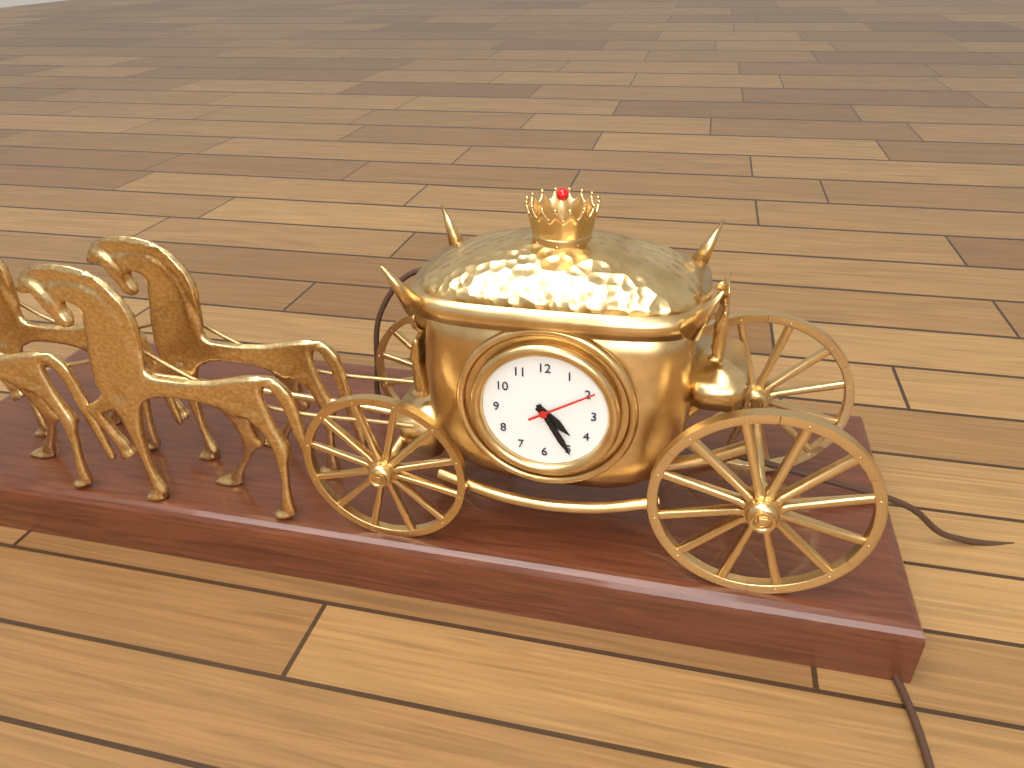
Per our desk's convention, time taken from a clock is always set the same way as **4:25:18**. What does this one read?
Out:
**4:25:10**
